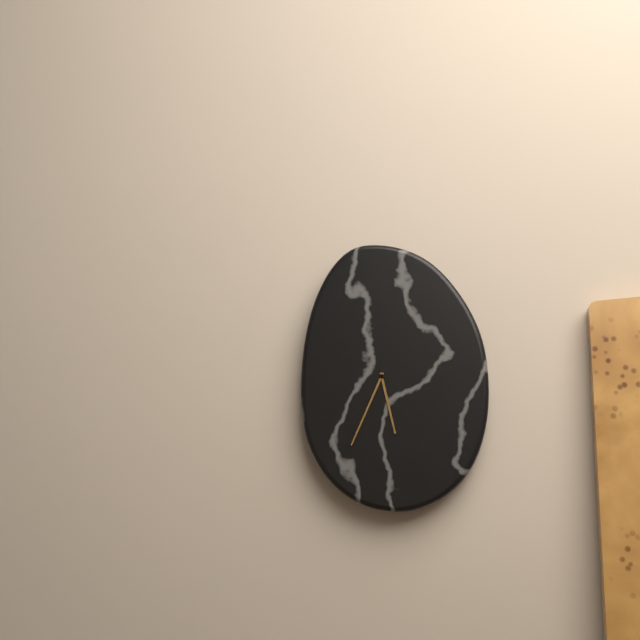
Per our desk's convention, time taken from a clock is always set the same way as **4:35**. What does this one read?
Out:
**5:34**
